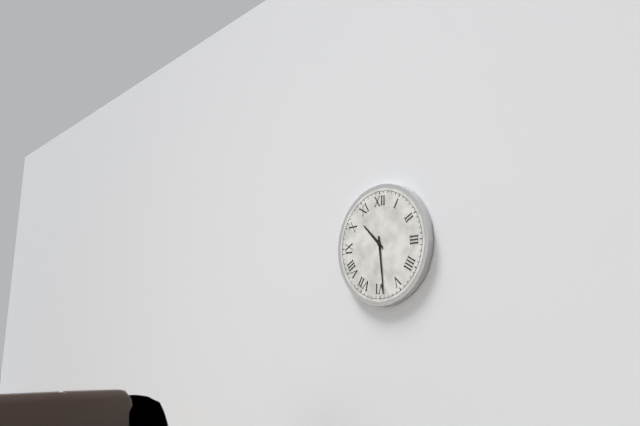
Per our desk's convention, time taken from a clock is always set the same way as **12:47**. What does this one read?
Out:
**10:29**
